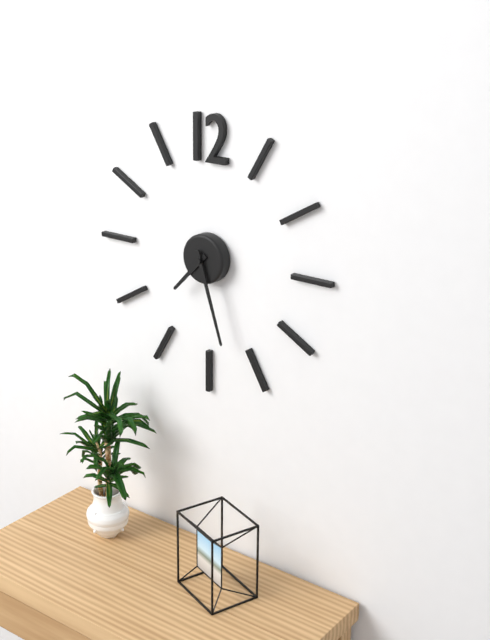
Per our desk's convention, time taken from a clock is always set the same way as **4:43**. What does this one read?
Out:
**7:27**
